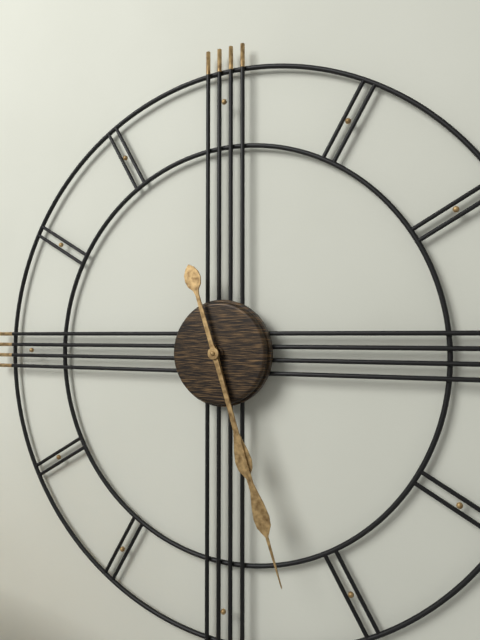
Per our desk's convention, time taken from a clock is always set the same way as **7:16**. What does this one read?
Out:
**5:27**
